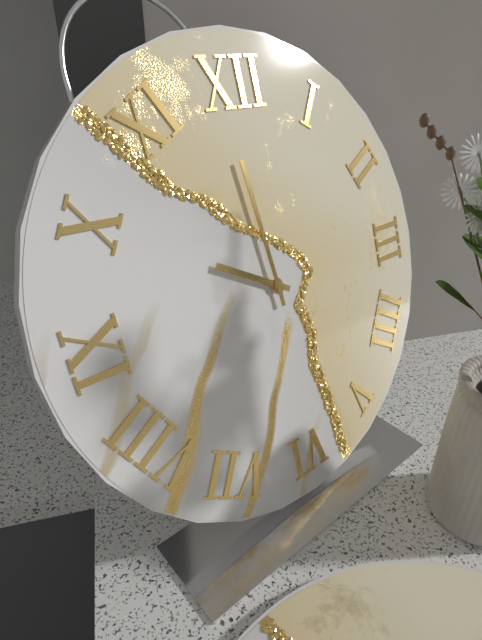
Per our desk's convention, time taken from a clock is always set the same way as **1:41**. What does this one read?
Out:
**9:59**
